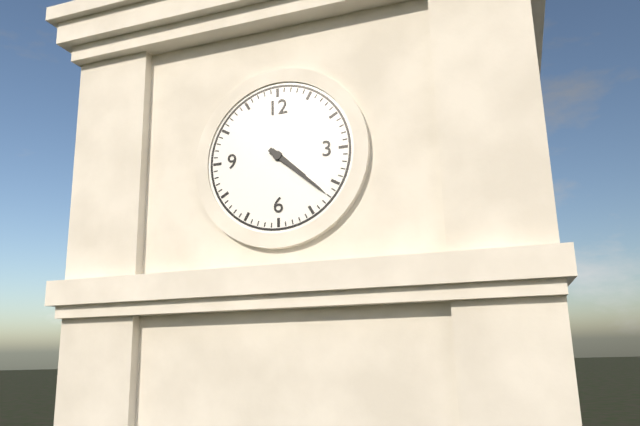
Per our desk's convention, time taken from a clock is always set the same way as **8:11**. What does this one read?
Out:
**4:22**
